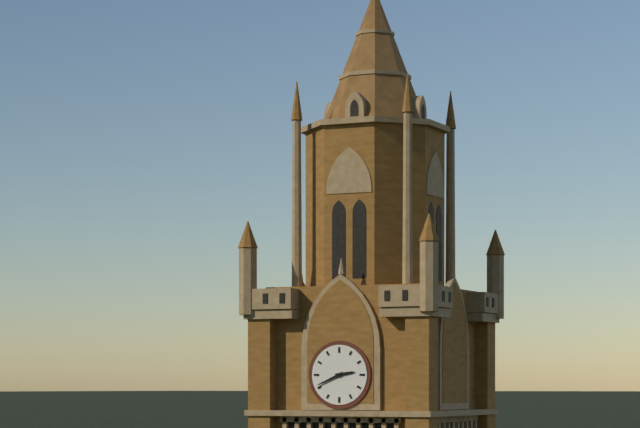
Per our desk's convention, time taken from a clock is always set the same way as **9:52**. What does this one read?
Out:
**2:41**
